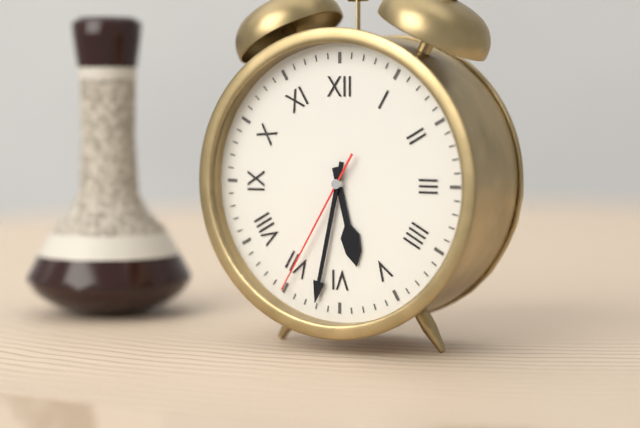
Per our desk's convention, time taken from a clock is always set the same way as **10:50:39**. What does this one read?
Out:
**5:32:35**
